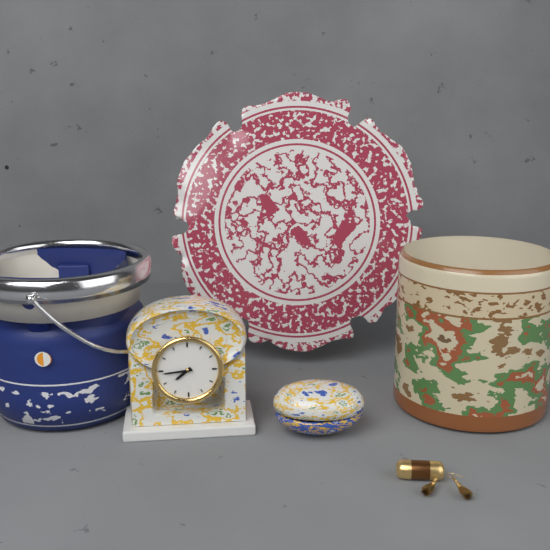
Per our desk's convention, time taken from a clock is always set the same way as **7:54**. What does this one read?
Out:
**7:44**
